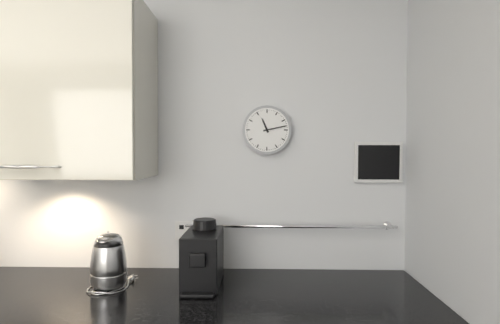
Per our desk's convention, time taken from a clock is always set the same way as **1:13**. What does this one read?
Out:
**11:13**
